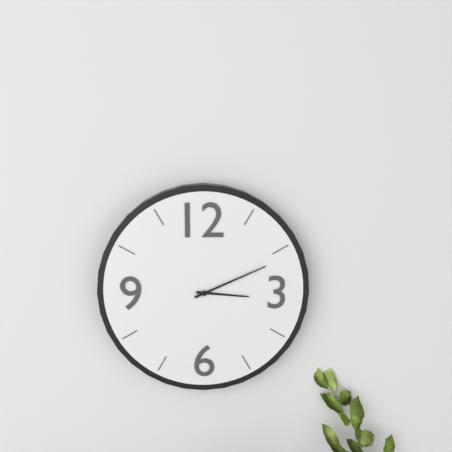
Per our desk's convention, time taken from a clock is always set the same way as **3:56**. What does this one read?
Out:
**3:11**
